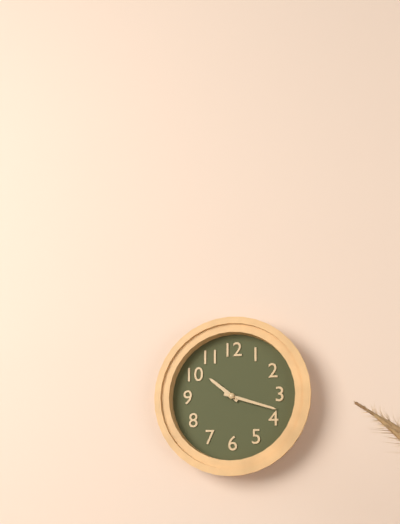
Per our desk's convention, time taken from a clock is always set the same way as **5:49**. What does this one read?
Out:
**10:18**
